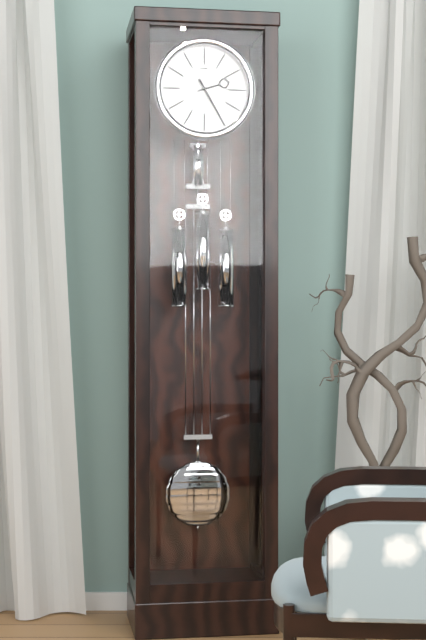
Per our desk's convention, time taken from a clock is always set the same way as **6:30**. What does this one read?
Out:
**2:25**
